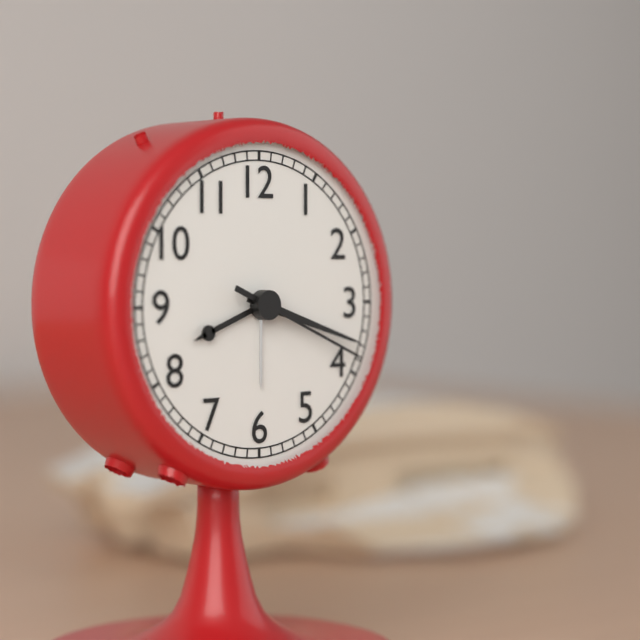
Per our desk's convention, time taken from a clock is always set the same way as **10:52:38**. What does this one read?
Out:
**8:18:19**
